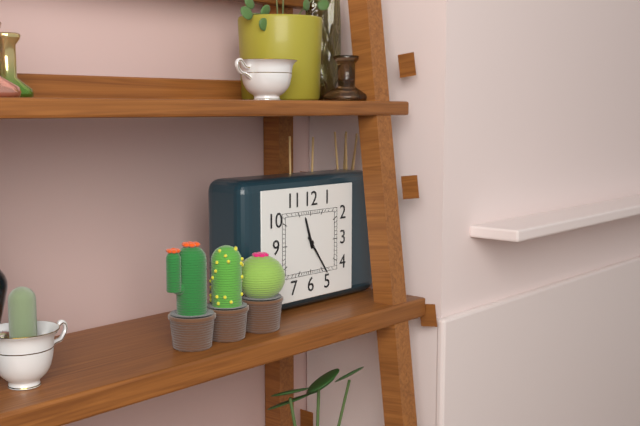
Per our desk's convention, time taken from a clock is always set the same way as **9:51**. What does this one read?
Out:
**11:24**
